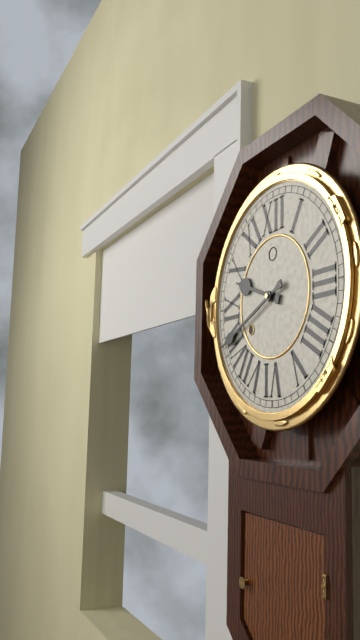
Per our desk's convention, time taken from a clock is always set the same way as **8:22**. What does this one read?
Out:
**9:41**
